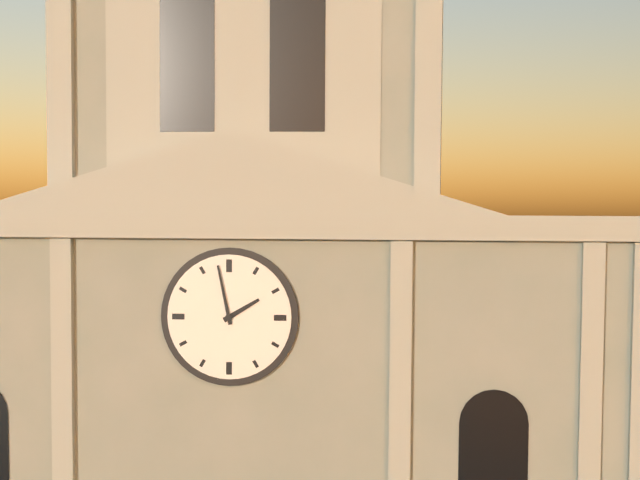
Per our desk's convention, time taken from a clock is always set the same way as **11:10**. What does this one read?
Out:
**1:58**
